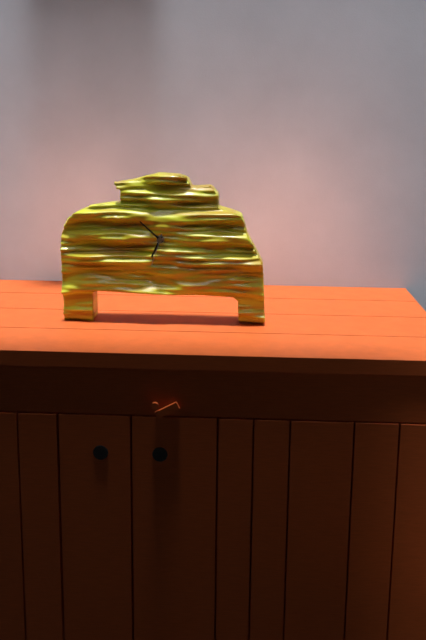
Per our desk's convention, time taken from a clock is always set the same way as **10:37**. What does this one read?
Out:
**6:52**
